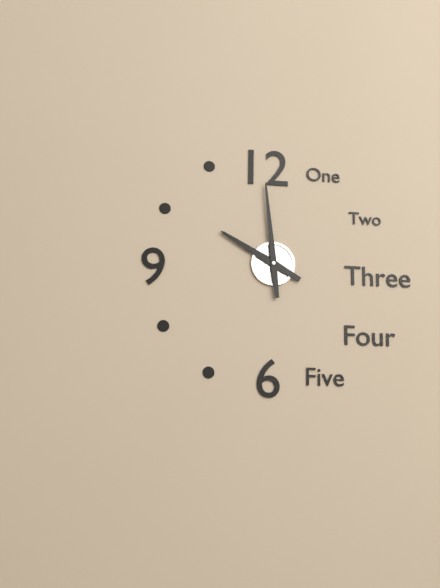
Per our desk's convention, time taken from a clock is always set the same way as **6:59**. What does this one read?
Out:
**9:59**
